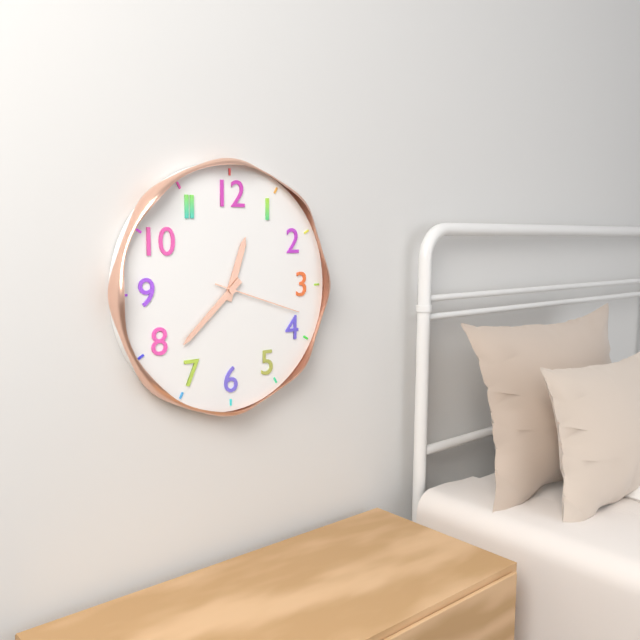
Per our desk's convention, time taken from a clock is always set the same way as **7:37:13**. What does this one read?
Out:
**12:38:18**
